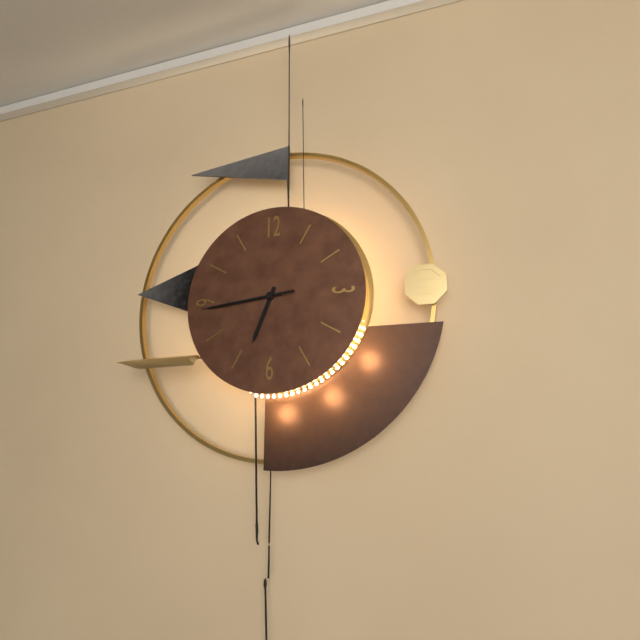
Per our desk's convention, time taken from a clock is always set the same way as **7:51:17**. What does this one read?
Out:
**6:44:44**
